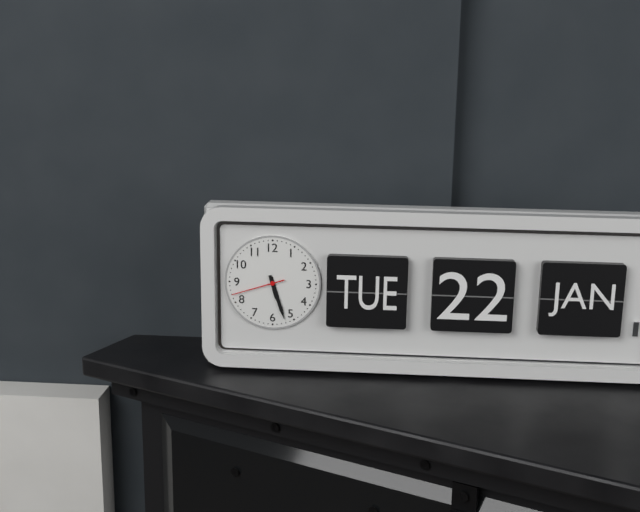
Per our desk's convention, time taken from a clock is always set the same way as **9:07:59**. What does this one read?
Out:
**5:27:42**
